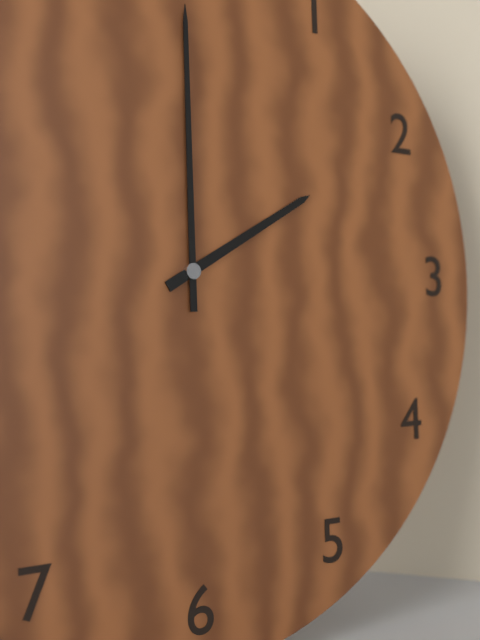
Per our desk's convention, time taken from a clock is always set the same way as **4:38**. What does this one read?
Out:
**2:00**
